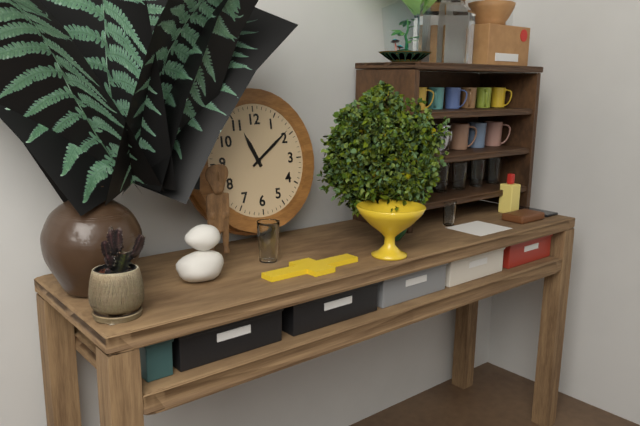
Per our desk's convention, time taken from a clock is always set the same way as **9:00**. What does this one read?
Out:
**11:09**
